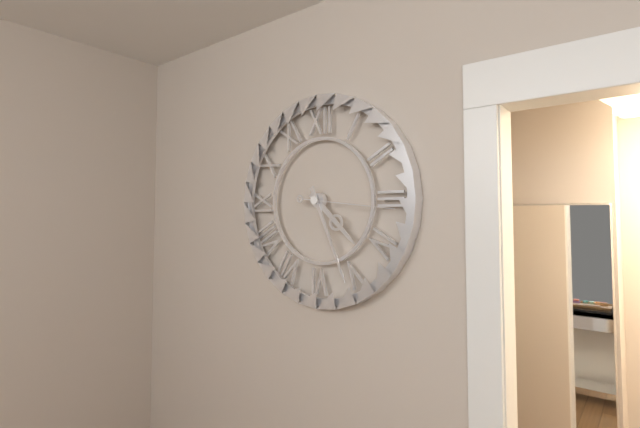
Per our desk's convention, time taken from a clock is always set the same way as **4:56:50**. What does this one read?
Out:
**4:26:16**
